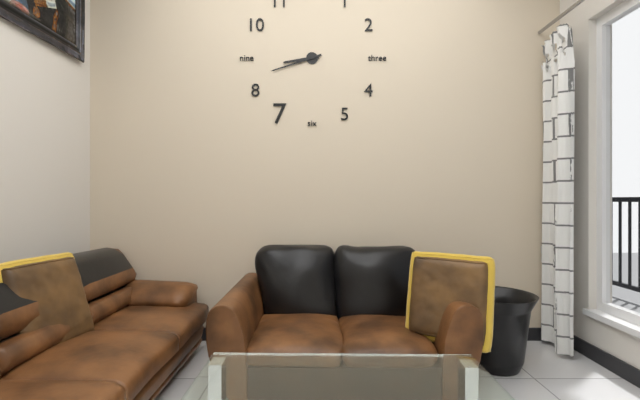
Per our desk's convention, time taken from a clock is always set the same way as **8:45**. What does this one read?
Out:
**8:42**
